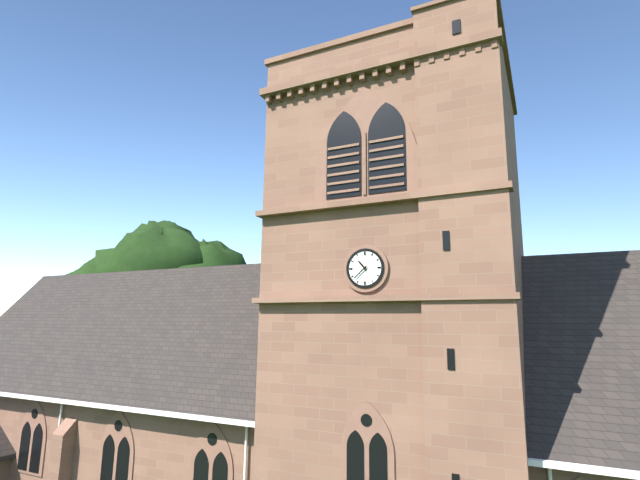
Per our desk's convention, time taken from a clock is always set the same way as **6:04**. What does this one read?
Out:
**10:38**
